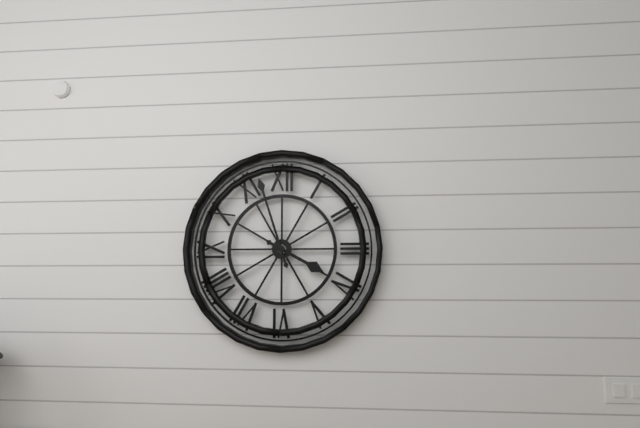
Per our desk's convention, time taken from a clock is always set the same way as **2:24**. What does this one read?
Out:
**3:57**
